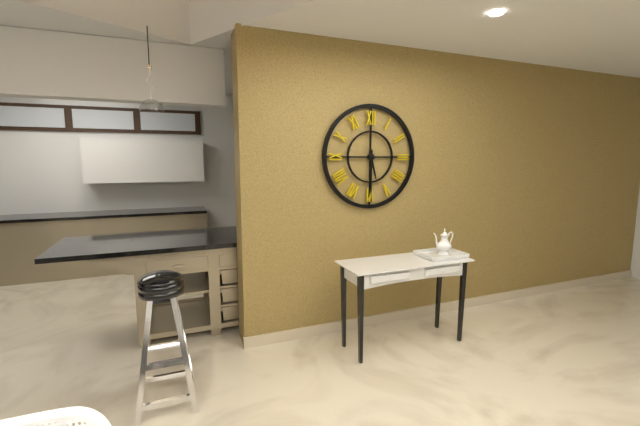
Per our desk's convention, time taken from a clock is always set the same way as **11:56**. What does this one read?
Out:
**5:30**
